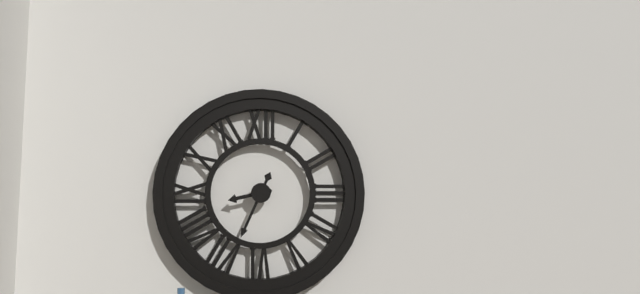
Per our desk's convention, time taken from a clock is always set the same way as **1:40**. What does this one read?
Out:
**8:34**
